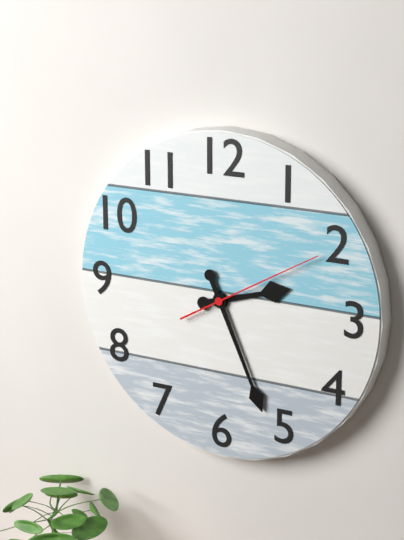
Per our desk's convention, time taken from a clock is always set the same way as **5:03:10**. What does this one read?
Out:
**2:26:10**
